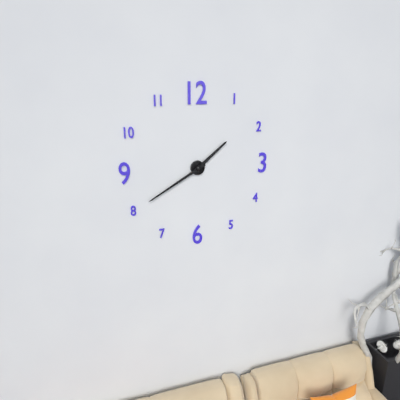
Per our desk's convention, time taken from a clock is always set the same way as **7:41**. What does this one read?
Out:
**1:40**
